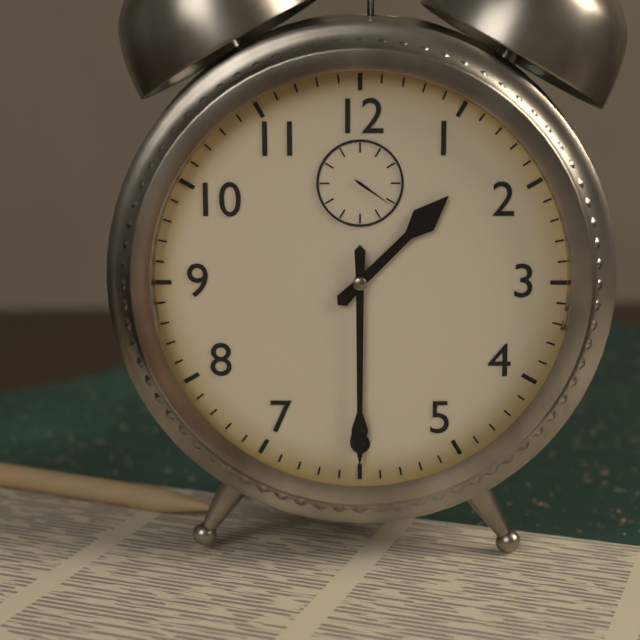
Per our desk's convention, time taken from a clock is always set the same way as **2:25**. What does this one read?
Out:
**1:30**
